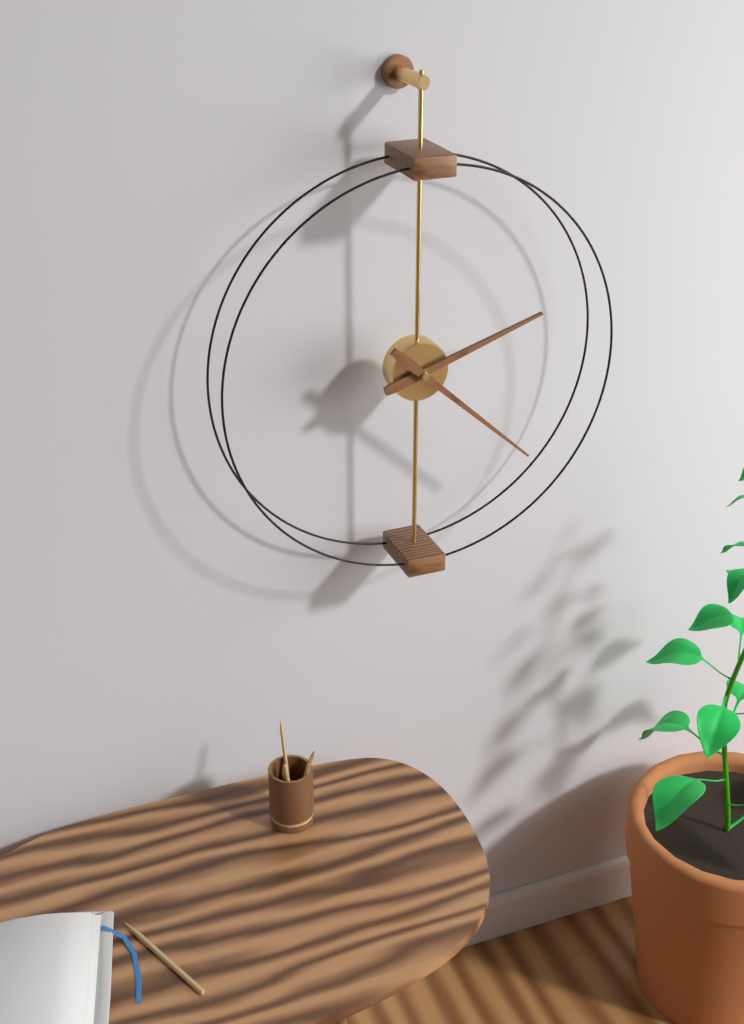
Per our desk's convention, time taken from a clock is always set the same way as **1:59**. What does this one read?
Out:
**2:22**
